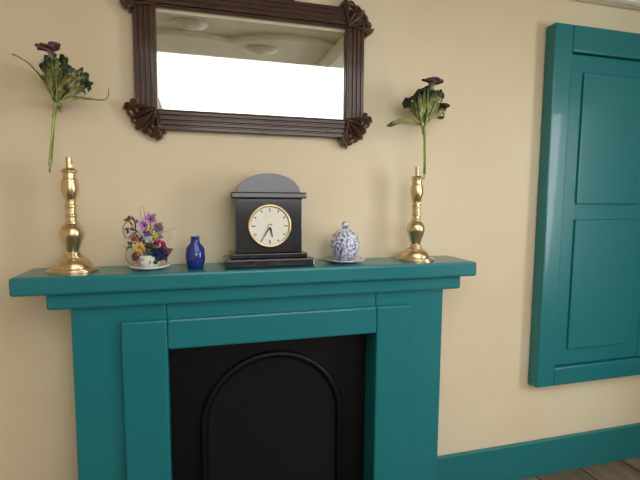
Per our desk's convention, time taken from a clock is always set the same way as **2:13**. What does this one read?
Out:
**5:35**
